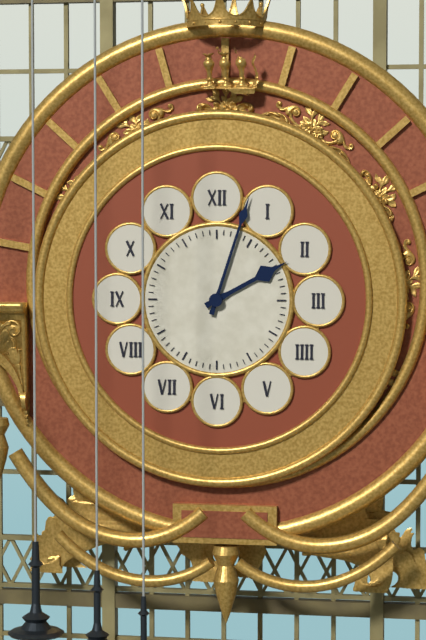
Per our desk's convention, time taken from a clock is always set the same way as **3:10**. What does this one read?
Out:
**2:03**
